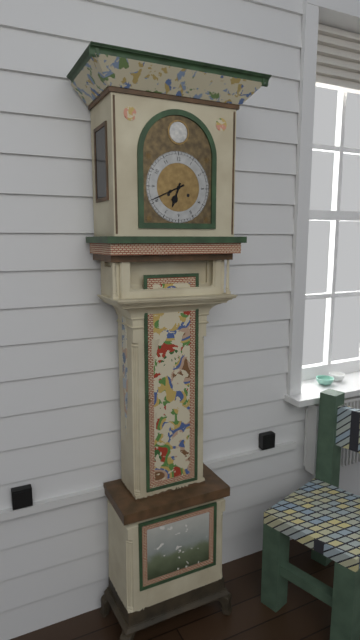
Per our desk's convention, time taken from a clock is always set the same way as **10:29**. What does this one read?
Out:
**6:41**
